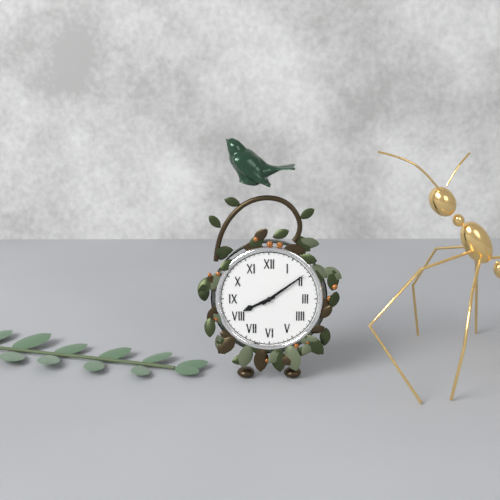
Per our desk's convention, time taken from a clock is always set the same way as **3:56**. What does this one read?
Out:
**8:09**
